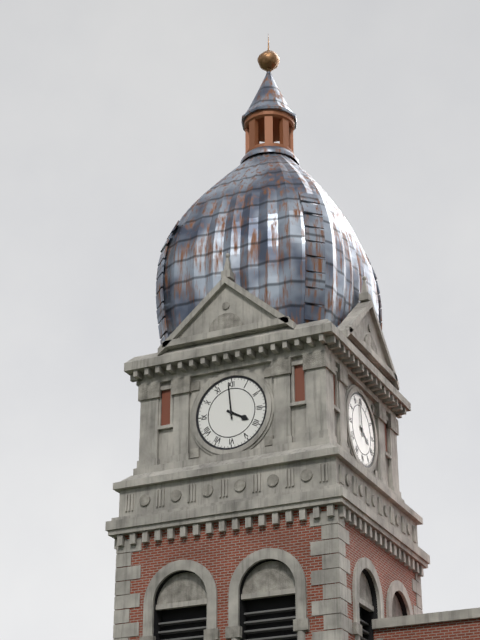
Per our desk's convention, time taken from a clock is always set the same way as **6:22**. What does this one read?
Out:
**3:59**
